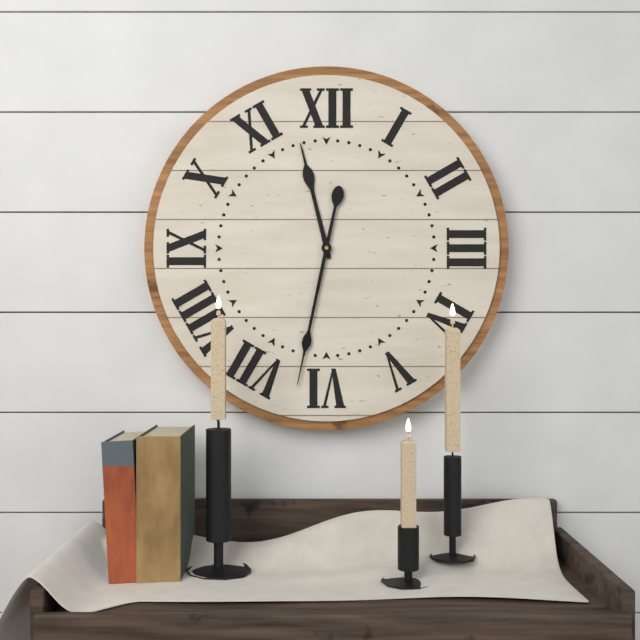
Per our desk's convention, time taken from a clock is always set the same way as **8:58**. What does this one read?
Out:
**11:32**
